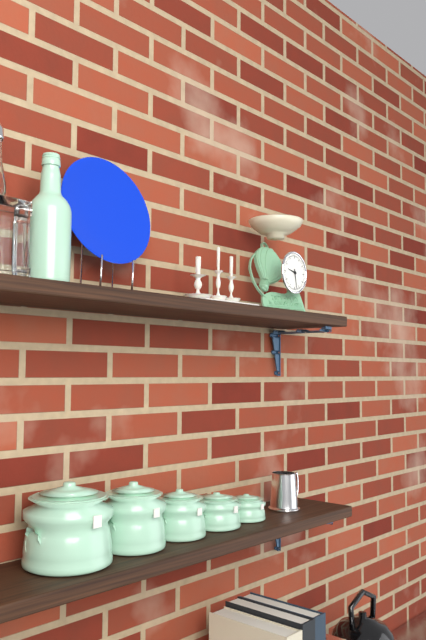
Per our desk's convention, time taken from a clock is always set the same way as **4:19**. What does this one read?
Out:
**9:28**
